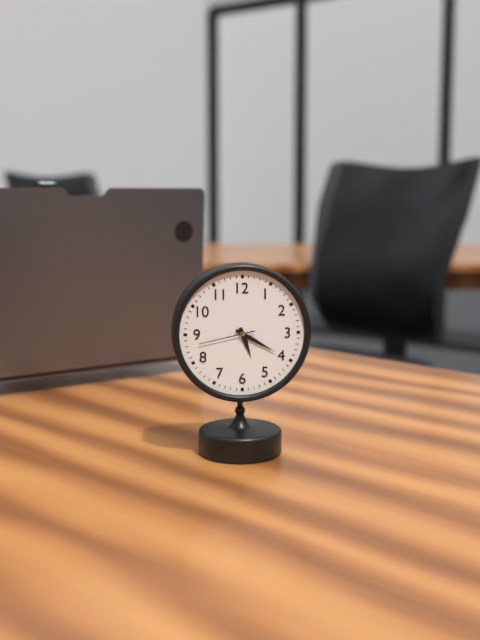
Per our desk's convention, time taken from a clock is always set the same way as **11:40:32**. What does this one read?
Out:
**5:20:43**
